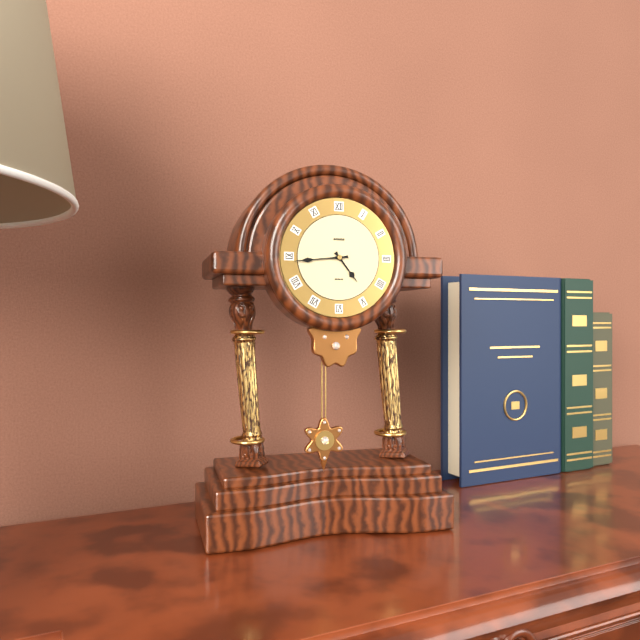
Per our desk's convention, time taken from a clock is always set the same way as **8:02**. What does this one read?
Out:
**4:44**
